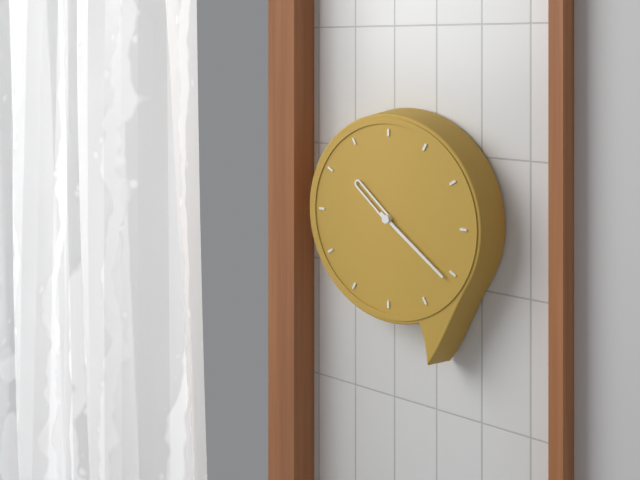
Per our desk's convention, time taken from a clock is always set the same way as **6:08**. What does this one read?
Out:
**10:21**
